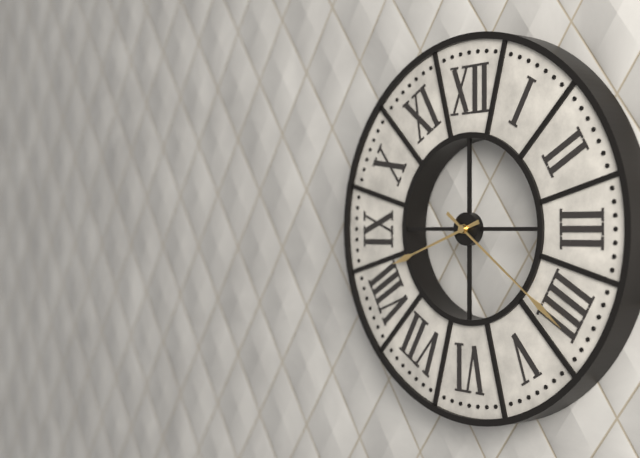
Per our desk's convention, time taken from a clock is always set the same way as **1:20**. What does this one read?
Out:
**8:21**
